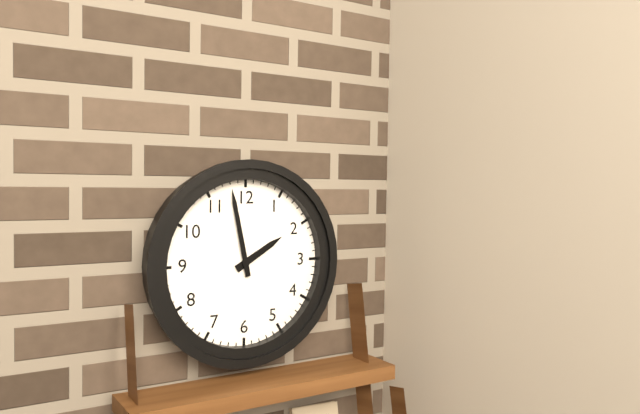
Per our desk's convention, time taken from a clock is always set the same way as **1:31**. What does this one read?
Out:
**1:58**
